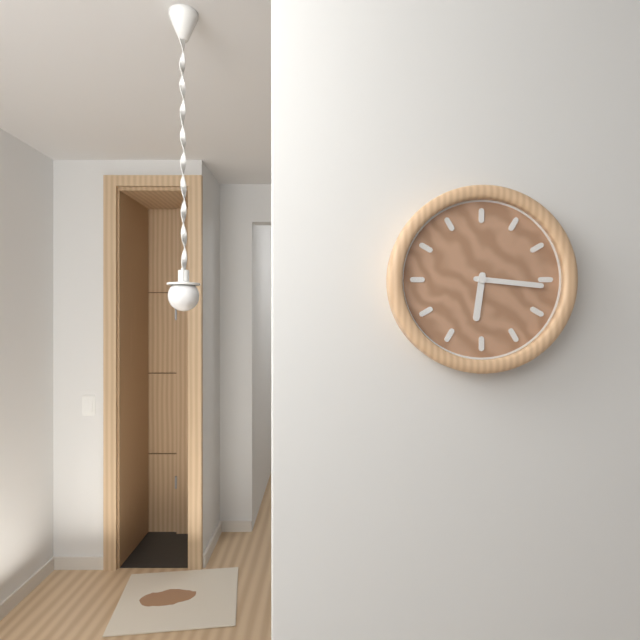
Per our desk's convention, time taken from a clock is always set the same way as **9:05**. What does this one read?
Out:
**6:16**
